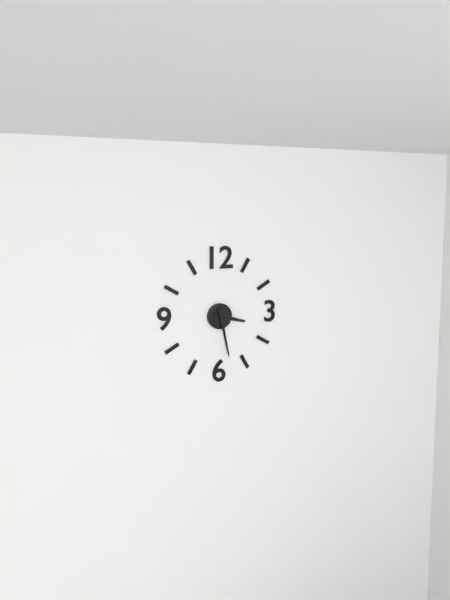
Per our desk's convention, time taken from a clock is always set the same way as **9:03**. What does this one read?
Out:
**3:28**
